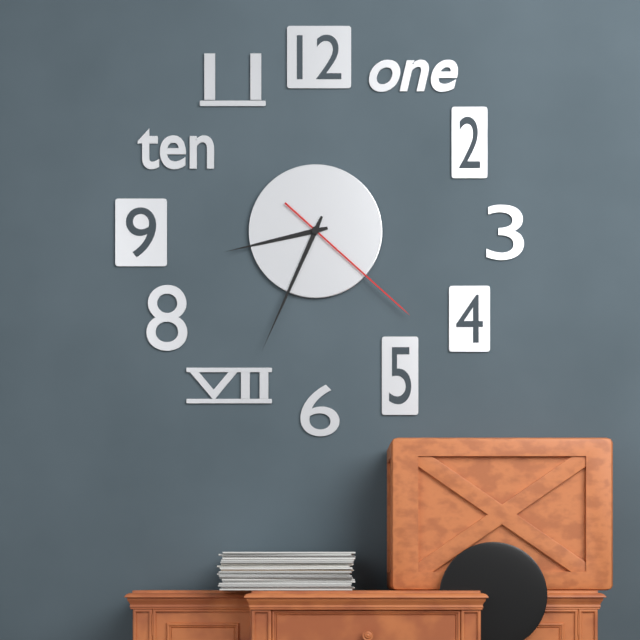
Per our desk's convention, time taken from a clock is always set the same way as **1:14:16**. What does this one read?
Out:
**8:34:22**
